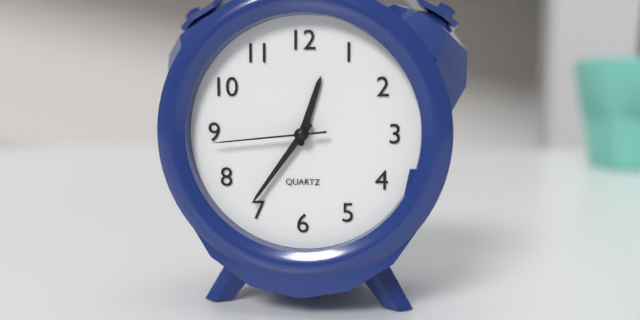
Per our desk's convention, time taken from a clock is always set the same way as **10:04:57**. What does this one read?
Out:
**12:36:44**
